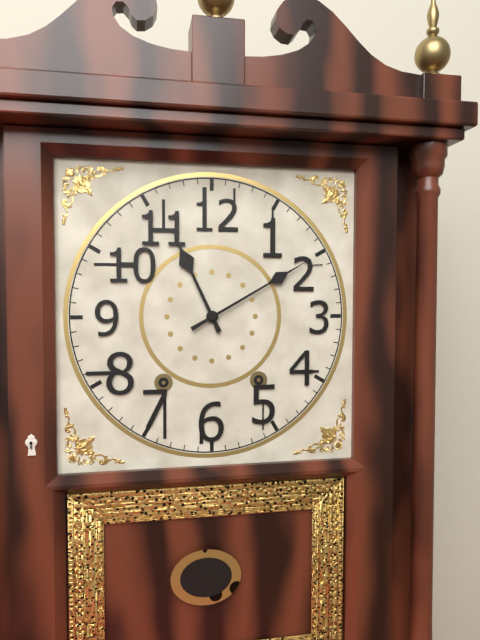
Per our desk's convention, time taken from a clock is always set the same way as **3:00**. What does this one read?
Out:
**11:10**
